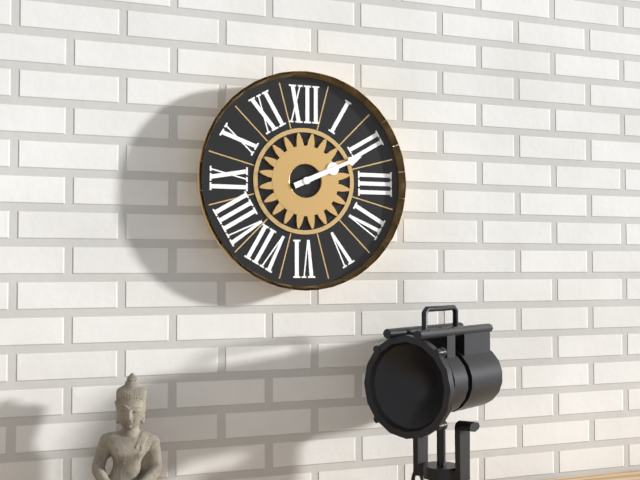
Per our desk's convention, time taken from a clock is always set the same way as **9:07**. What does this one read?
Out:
**2:11**
